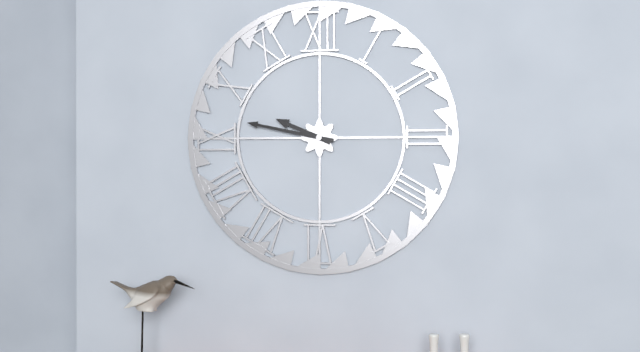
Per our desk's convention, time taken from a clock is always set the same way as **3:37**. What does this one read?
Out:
**9:47**
